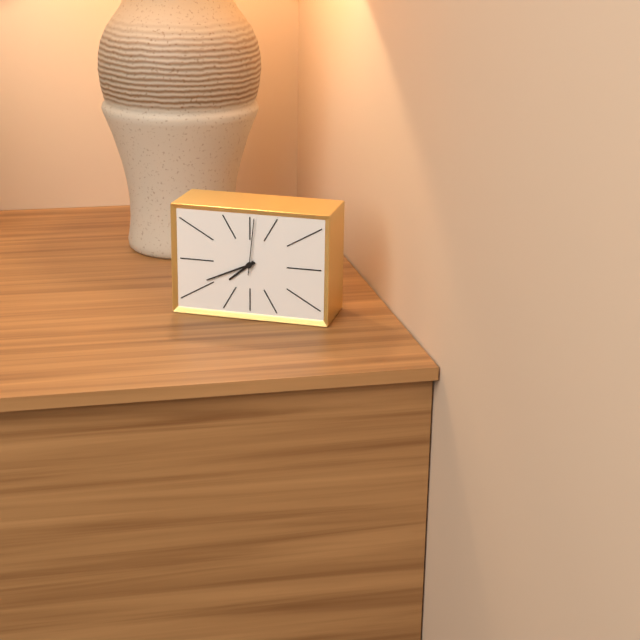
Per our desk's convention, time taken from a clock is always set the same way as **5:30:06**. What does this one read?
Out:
**7:41:01**
